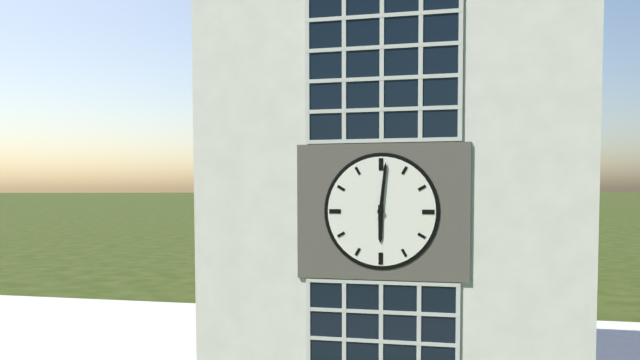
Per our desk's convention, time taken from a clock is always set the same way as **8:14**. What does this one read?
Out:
**6:01**
